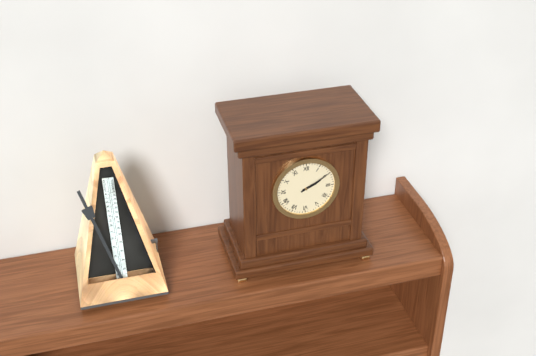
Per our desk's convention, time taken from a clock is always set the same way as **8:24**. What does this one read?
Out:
**2:10**
